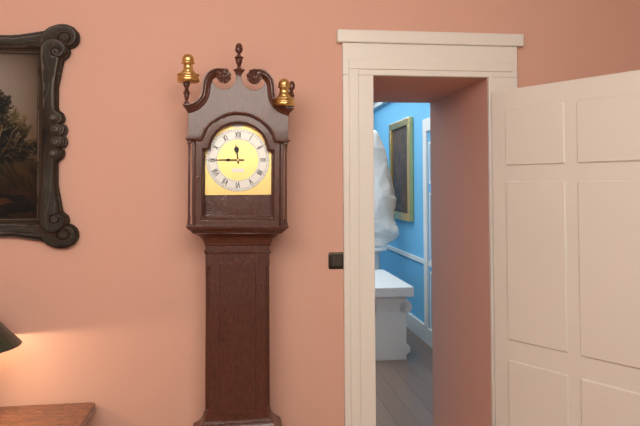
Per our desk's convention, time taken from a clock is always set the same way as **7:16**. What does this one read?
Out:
**11:45**
